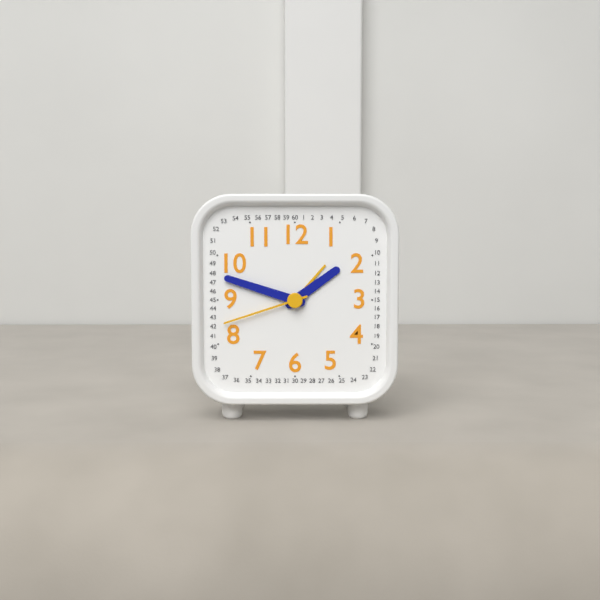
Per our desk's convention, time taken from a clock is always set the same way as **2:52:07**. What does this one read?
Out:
**1:48:42**
